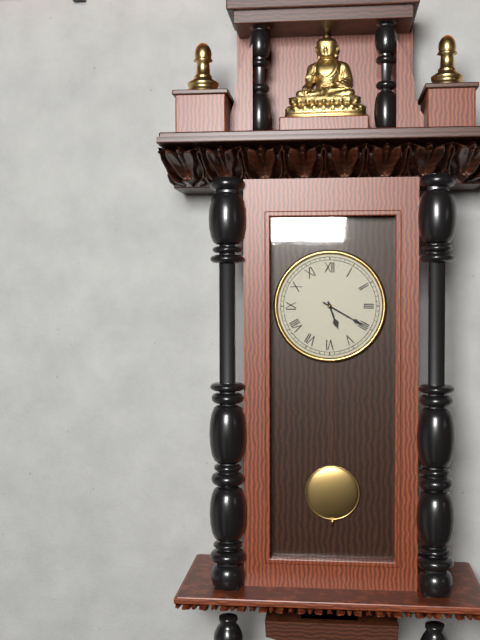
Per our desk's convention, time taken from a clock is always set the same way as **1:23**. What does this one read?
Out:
**5:20**
